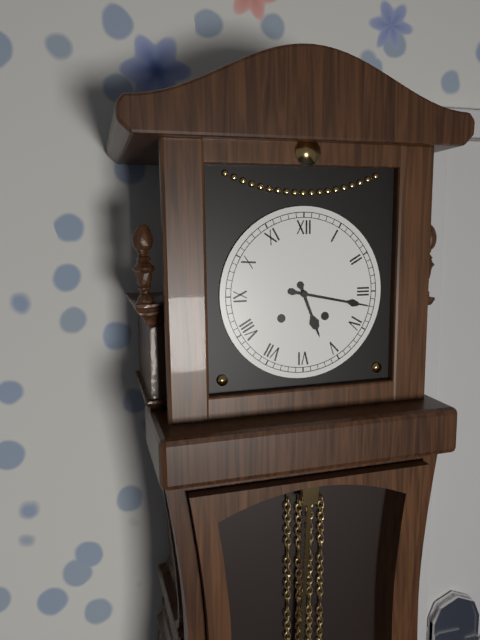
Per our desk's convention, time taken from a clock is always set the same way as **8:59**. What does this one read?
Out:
**5:17**
